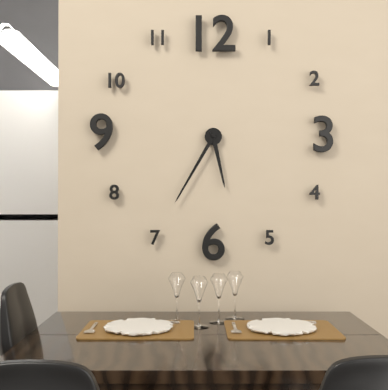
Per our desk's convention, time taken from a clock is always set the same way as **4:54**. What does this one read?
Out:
**5:35**
